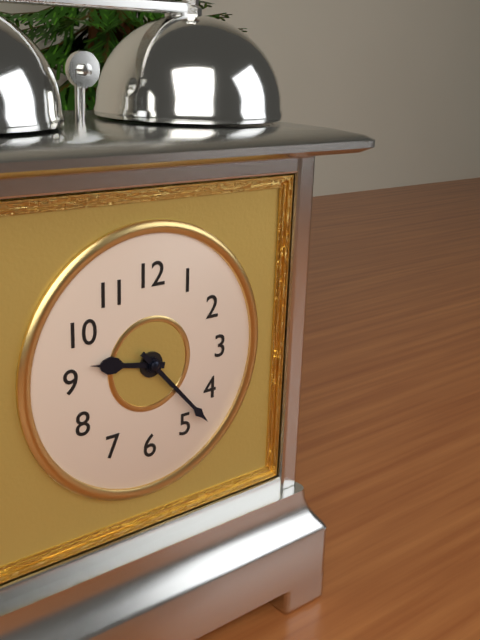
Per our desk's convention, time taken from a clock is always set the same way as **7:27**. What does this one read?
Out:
**9:23**
